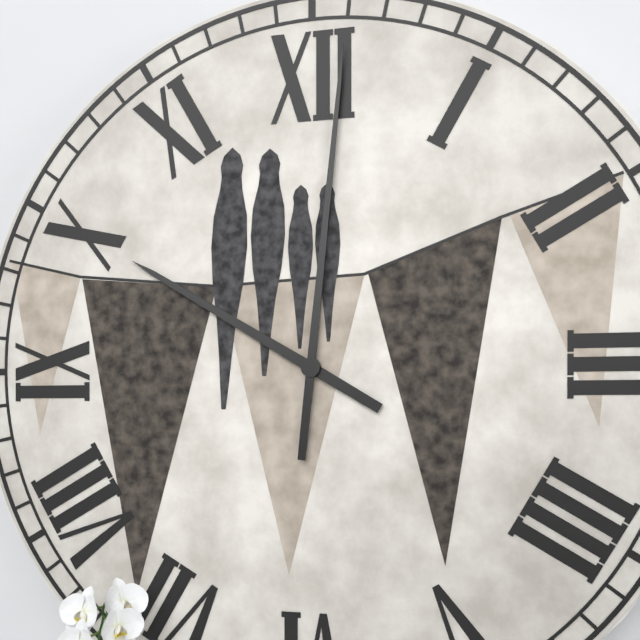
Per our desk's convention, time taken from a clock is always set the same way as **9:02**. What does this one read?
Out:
**10:01**
